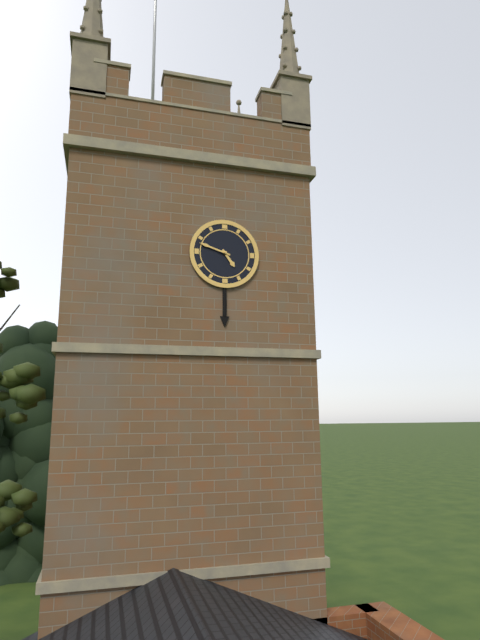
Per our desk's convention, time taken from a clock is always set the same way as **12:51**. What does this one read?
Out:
**4:48**
